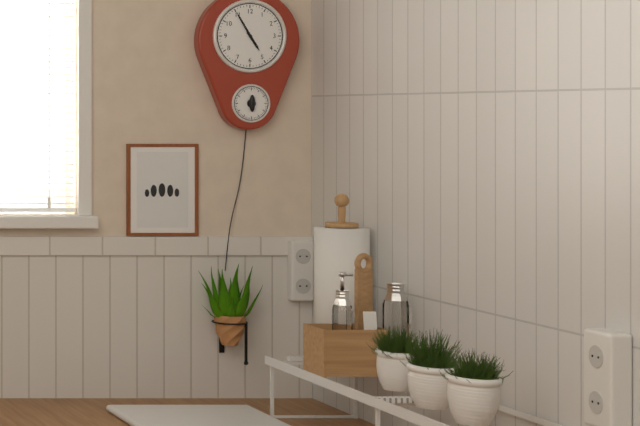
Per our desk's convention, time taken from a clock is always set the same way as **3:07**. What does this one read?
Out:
**4:55**
